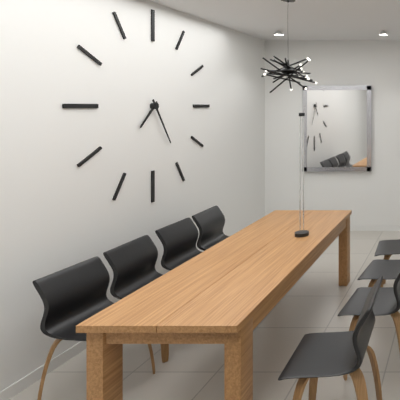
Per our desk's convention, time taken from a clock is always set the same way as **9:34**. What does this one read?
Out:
**7:25**
